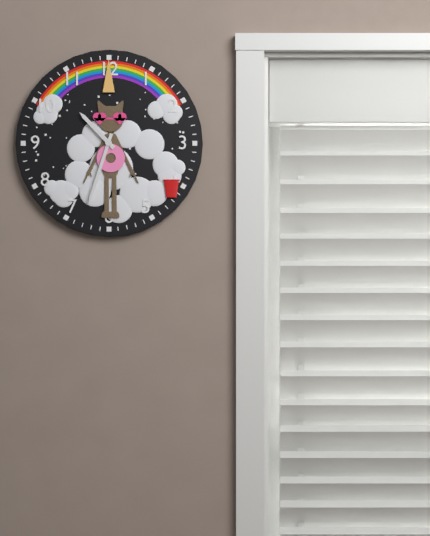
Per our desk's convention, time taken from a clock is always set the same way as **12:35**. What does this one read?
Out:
**10:33**
